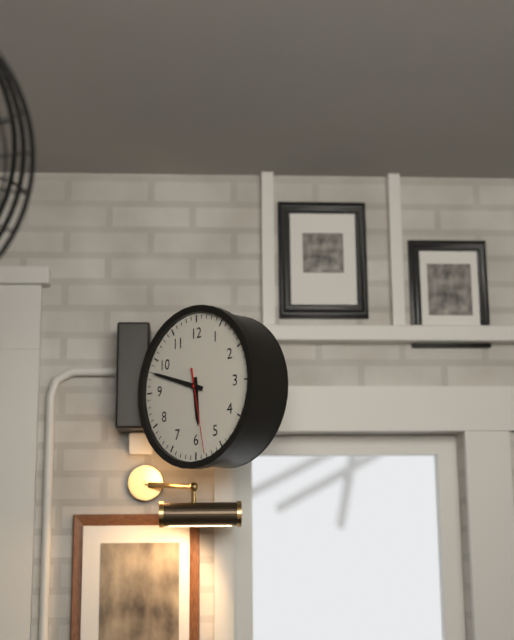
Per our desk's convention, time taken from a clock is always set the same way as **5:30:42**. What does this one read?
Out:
**5:48:28**
